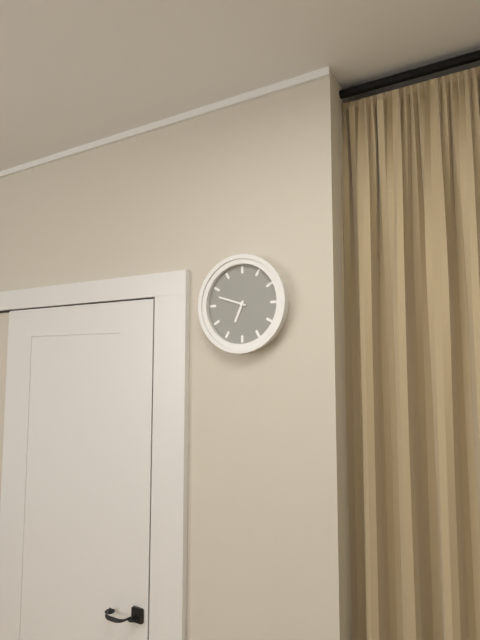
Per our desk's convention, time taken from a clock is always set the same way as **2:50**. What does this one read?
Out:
**6:48**
